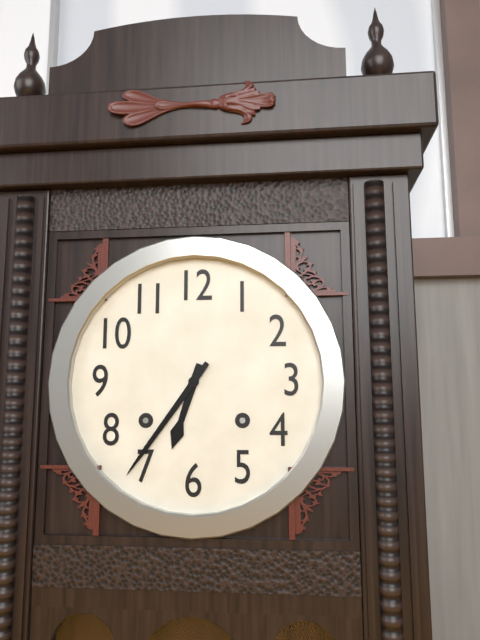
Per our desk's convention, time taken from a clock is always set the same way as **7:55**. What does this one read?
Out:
**6:36**
